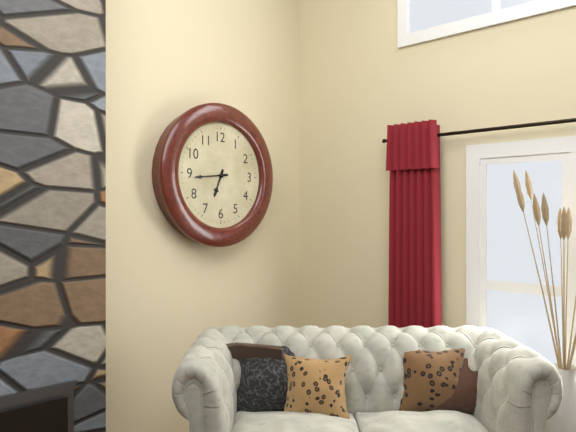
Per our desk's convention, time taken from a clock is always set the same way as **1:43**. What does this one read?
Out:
**6:44**
